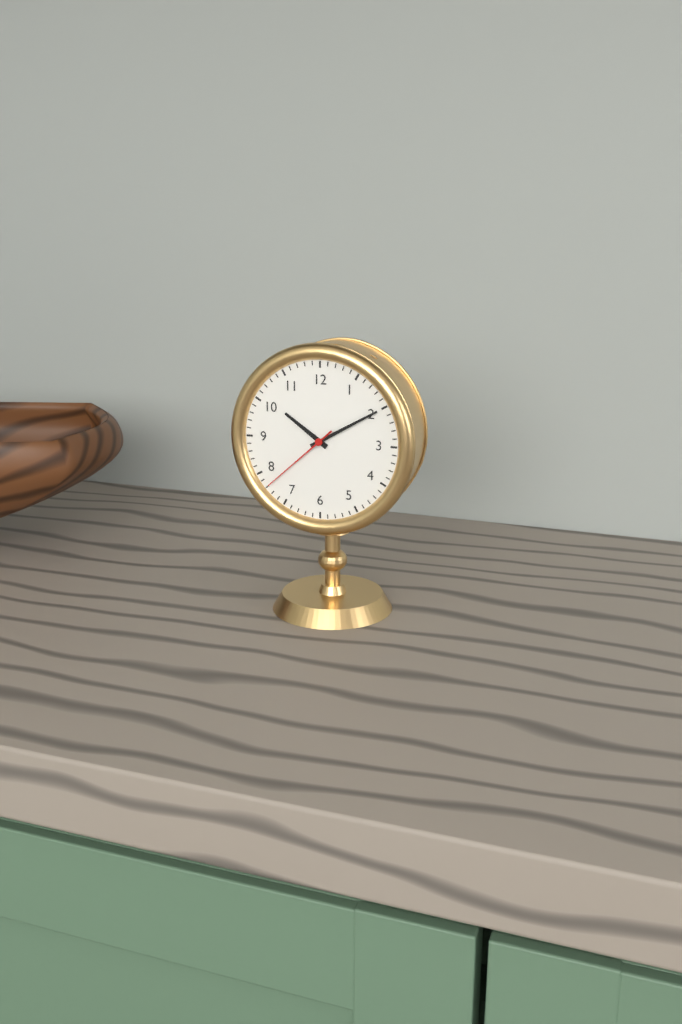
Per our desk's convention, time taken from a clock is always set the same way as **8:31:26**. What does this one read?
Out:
**10:10:38**
